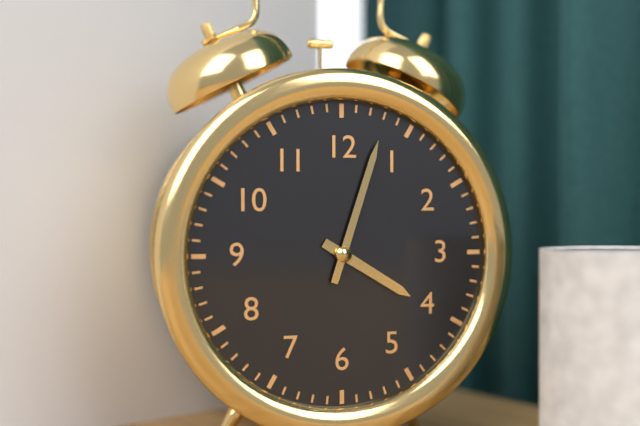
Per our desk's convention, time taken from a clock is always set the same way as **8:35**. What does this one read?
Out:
**4:03**
